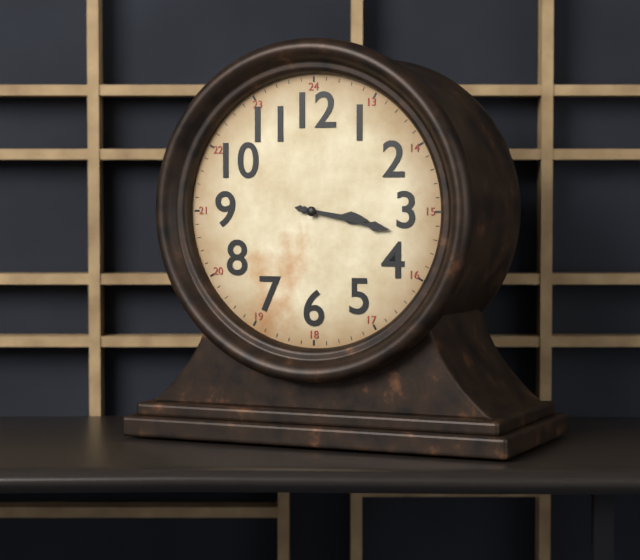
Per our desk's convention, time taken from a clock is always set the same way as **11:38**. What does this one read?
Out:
**3:17**
